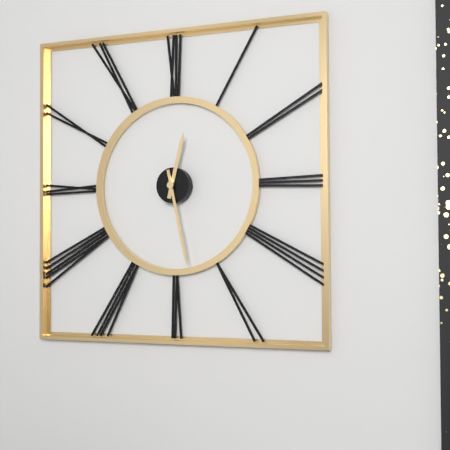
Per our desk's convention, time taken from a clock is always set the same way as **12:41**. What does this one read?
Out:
**12:28**
